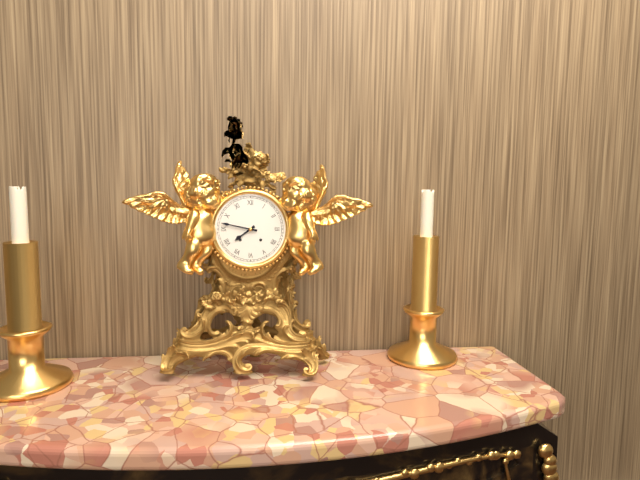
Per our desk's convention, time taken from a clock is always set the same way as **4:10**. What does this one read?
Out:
**7:47**
